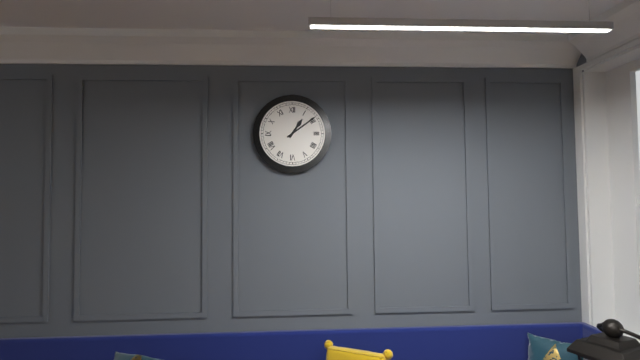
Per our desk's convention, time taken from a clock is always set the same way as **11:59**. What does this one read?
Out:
**1:09**
